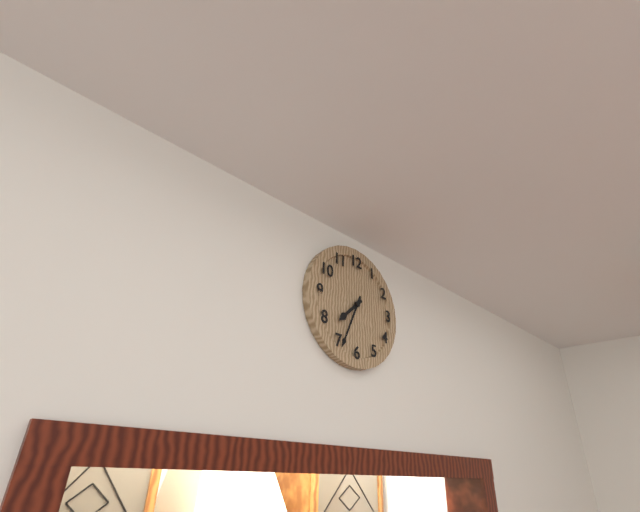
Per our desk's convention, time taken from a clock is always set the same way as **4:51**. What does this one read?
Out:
**7:34**
